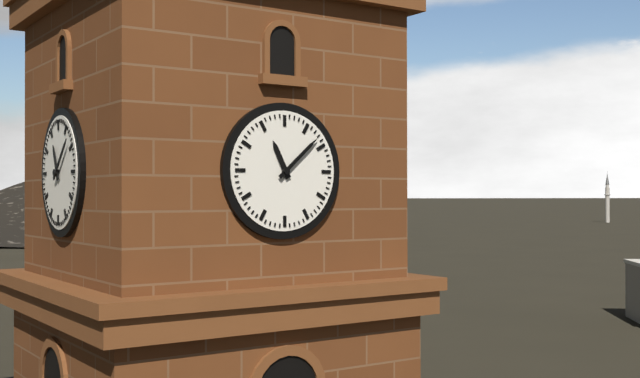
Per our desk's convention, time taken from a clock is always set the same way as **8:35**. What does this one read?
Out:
**11:08**
